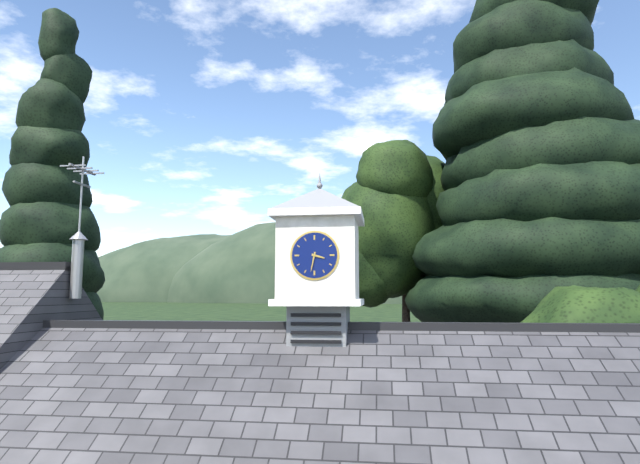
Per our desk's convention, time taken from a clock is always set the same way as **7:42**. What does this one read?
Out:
**3:32**
